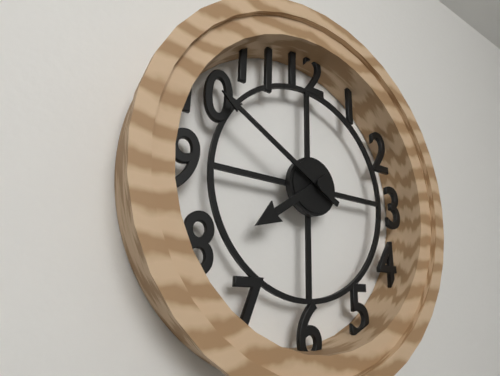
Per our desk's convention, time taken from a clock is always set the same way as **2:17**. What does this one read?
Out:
**7:50**
